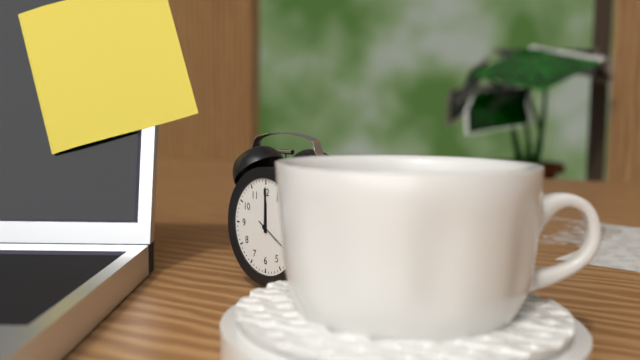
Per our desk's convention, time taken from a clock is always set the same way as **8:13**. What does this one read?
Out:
**12:00**
